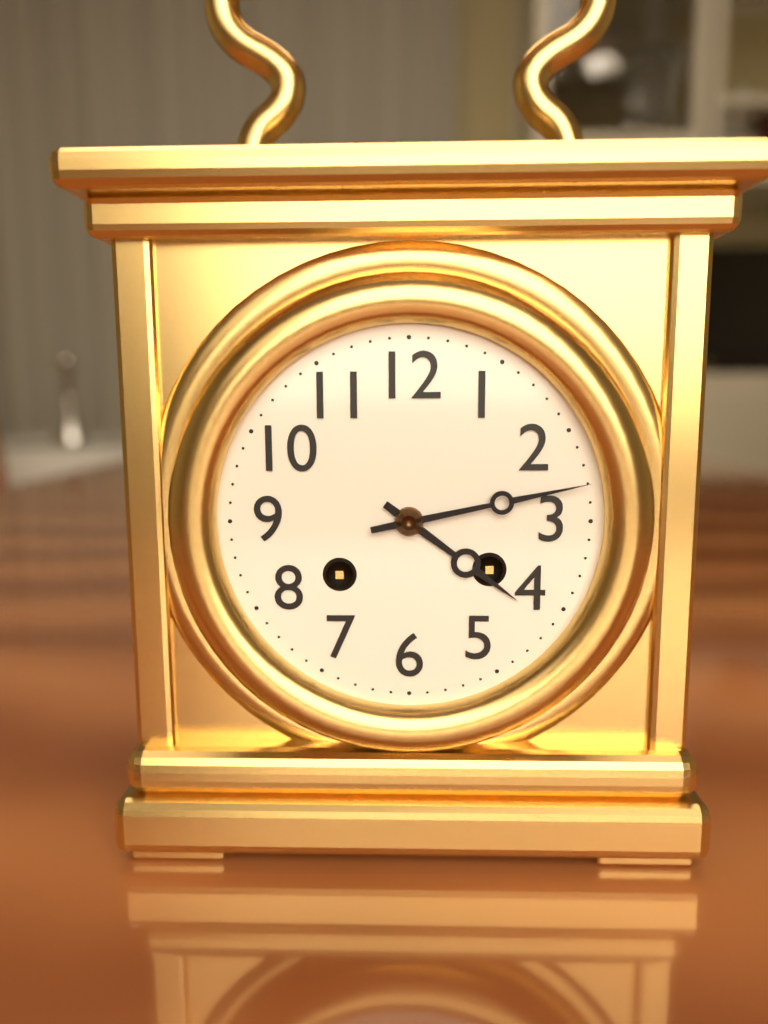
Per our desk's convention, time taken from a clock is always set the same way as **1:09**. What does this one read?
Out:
**4:13**
